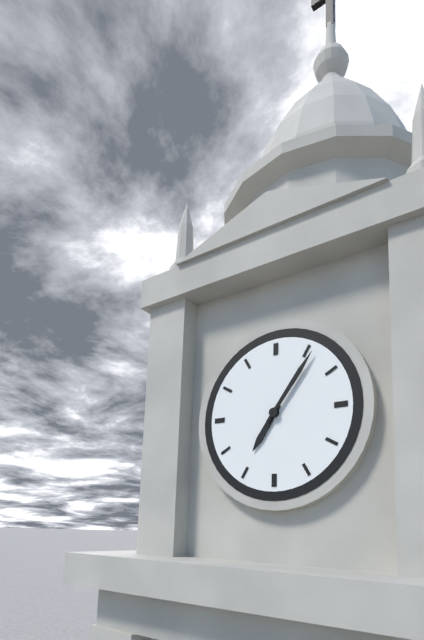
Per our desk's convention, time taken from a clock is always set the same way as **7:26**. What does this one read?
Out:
**7:06**
